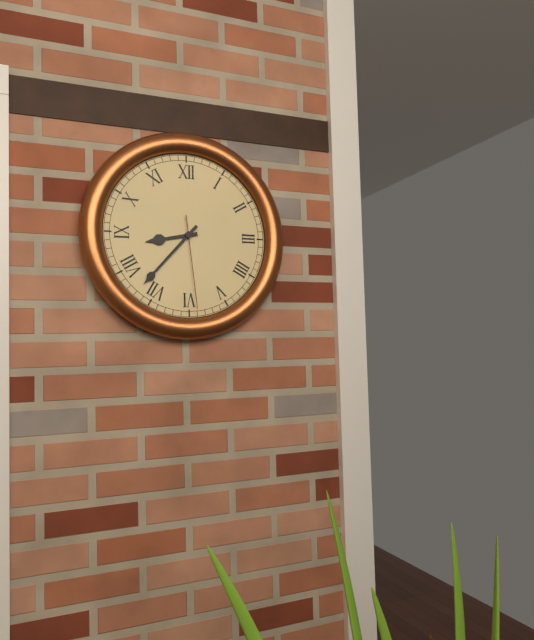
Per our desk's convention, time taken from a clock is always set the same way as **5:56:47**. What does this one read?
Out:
**8:37:29**
